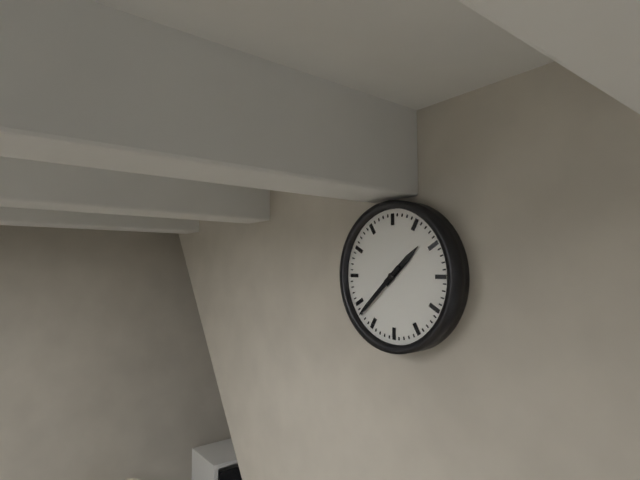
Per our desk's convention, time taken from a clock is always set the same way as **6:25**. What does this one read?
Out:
**1:38**
